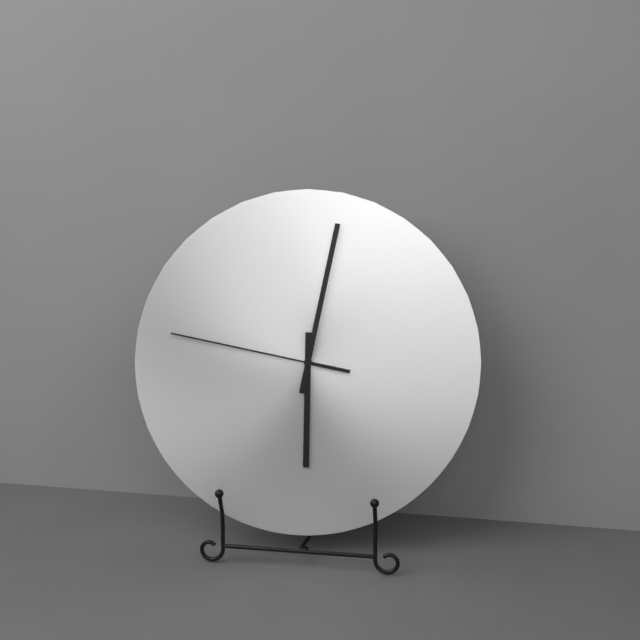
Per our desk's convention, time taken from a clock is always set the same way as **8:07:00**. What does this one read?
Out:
**6:02:47**
